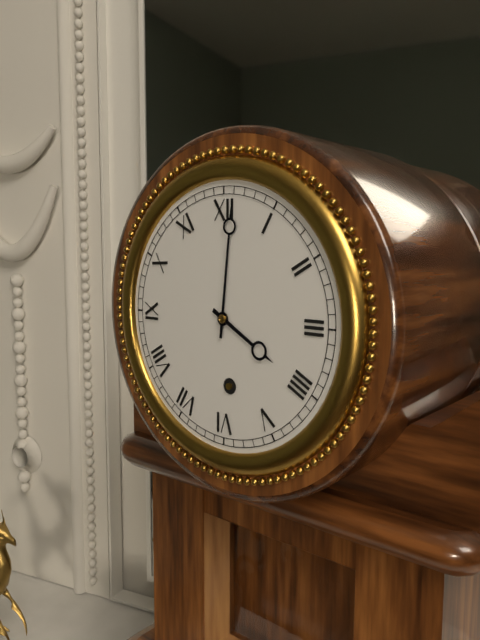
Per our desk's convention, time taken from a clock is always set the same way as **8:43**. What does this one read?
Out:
**4:01**
